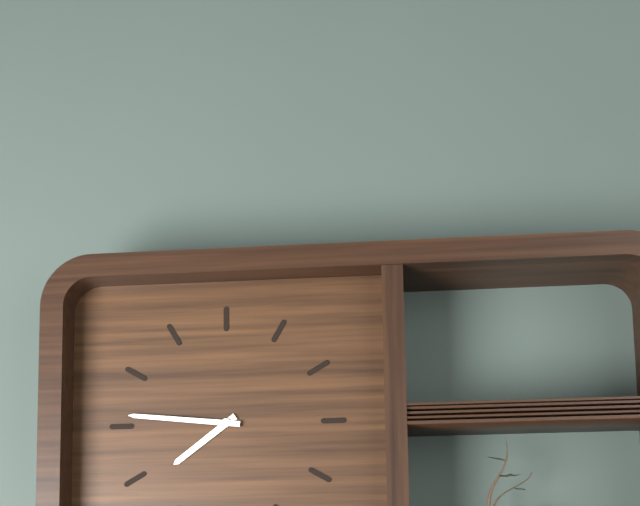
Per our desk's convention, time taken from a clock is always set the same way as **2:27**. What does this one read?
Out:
**7:46**
